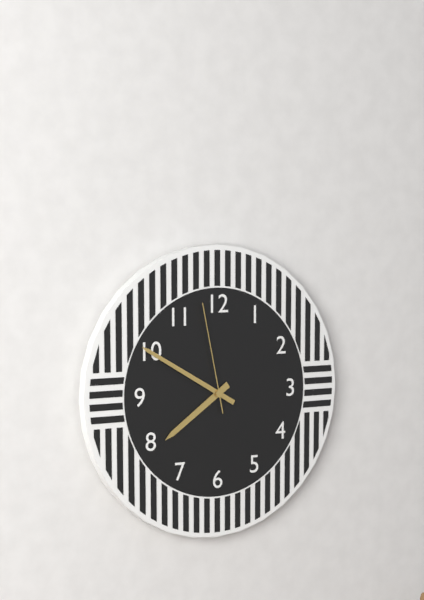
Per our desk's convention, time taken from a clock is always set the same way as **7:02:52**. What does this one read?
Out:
**7:50:58**
